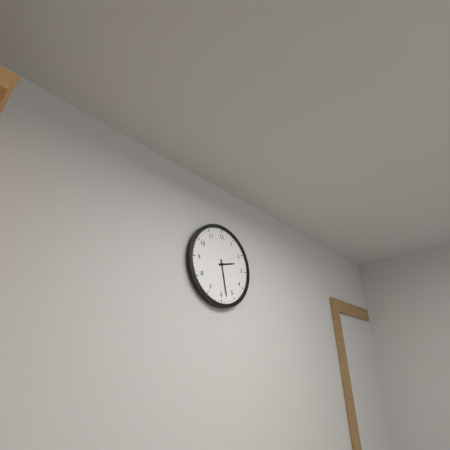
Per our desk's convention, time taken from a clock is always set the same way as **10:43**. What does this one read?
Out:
**2:28**
